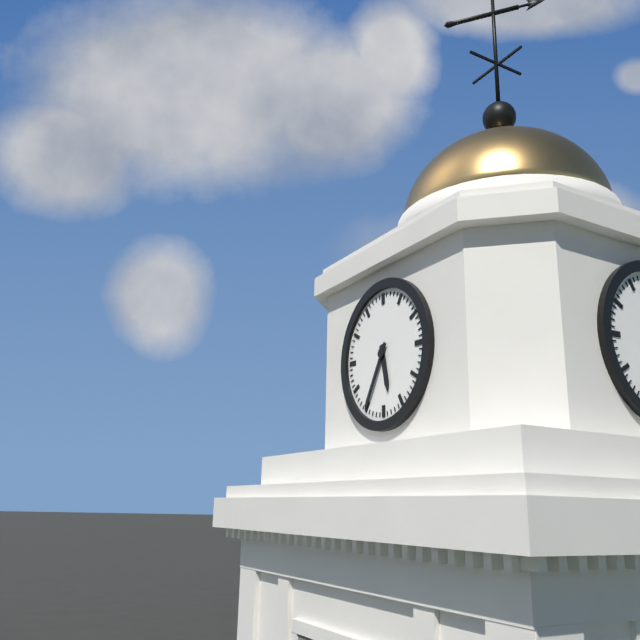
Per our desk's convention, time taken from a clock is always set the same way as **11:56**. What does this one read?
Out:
**5:35**
